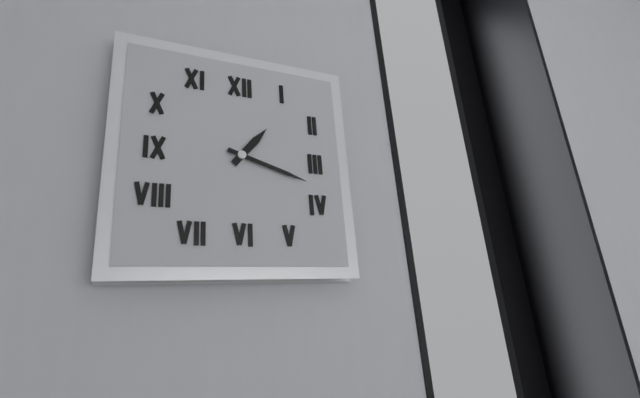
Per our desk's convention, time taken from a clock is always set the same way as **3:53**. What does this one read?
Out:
**1:18**
